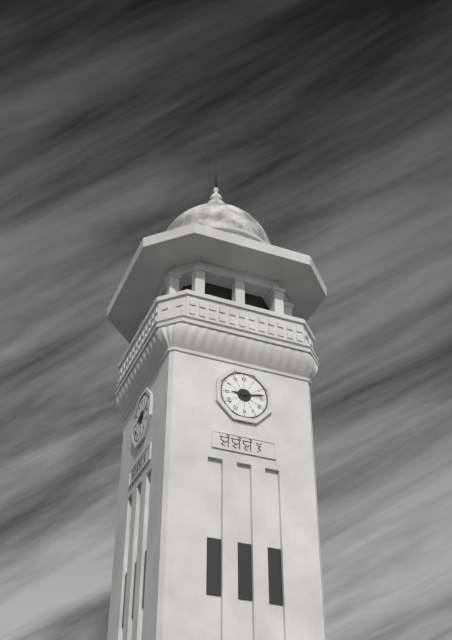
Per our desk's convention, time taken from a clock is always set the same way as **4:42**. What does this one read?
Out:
**9:13**
